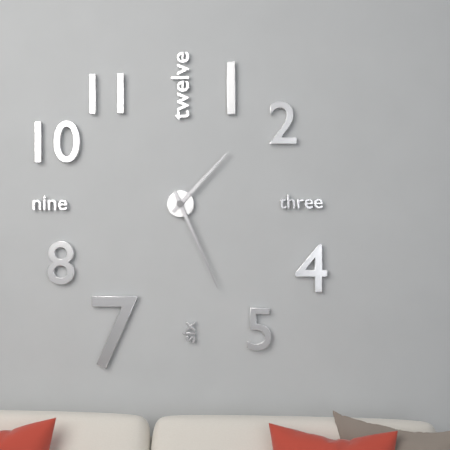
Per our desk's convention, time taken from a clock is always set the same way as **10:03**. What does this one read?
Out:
**1:26**
